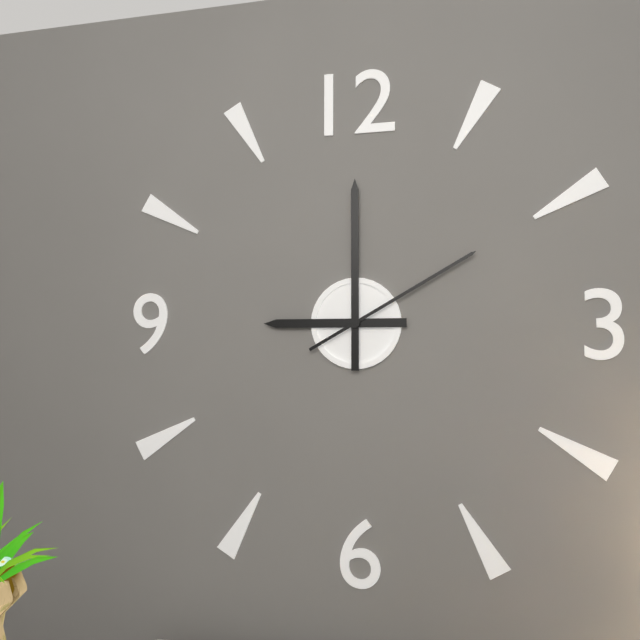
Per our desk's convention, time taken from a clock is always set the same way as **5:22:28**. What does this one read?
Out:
**9:00:10**
